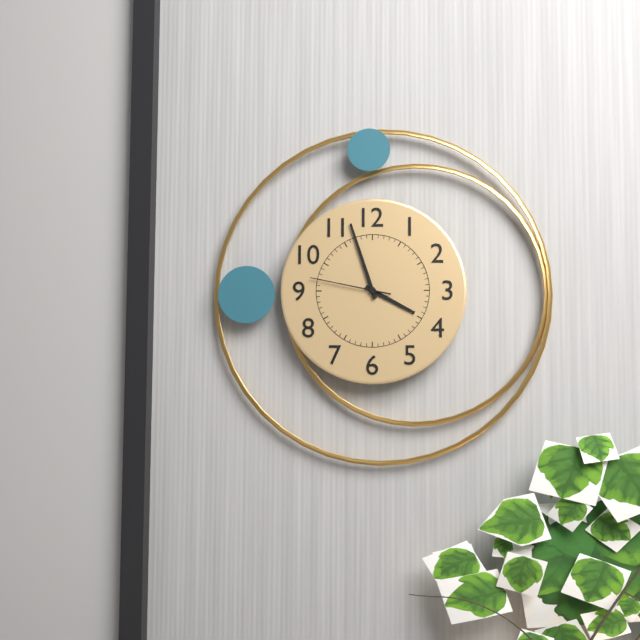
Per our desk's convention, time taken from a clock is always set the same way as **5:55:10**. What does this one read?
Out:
**3:57:47**
